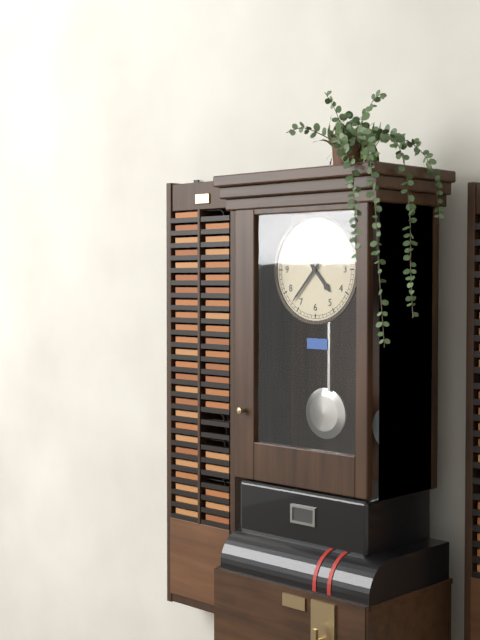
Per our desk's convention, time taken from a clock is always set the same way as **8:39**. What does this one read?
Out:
**4:37**
